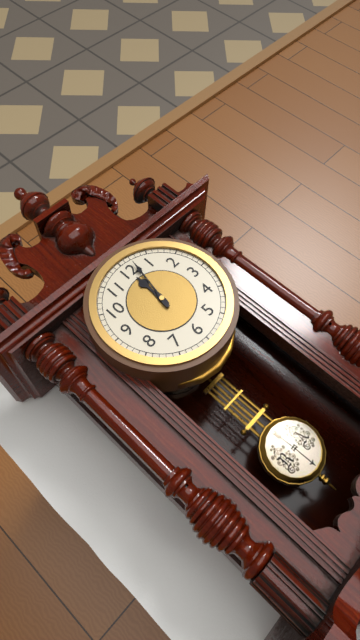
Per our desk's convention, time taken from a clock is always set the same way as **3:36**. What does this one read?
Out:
**12:02**
